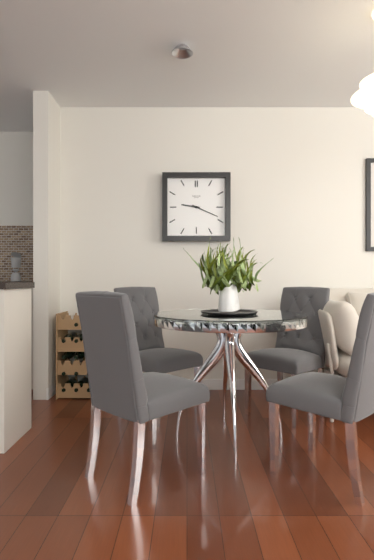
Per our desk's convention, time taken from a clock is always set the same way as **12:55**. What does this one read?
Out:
**9:19**
